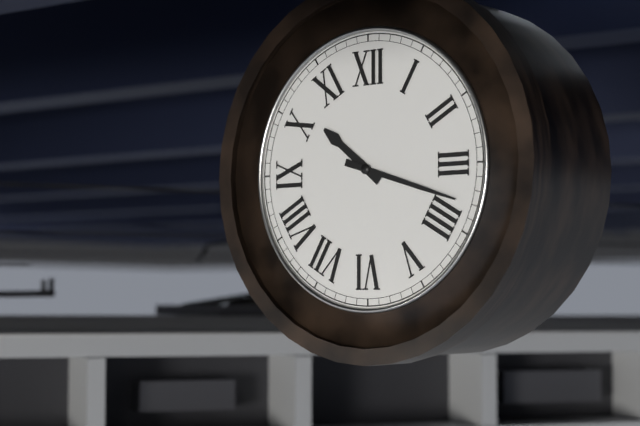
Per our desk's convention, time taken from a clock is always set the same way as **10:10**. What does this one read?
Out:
**10:18**
